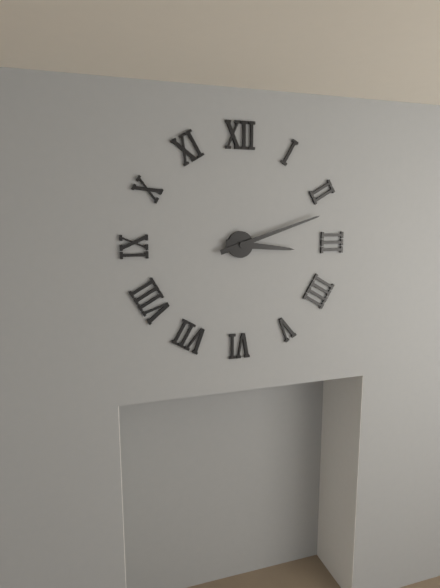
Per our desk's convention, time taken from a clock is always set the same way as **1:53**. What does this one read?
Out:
**3:12**
